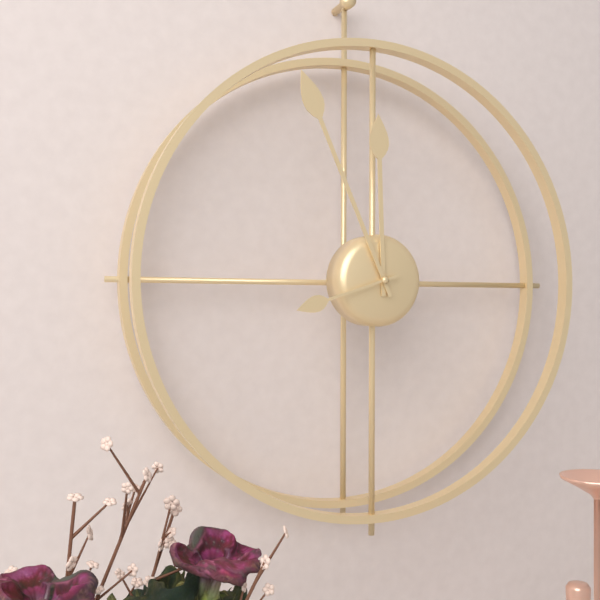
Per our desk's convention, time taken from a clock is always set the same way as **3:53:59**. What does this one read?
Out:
**11:56:42**
